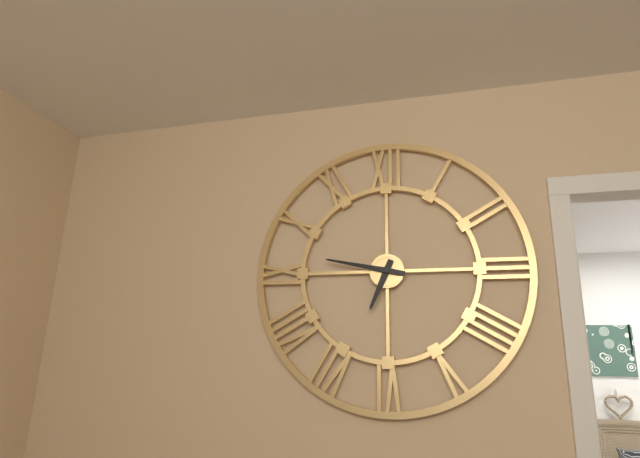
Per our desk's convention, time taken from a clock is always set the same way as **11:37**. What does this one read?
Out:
**6:47**
